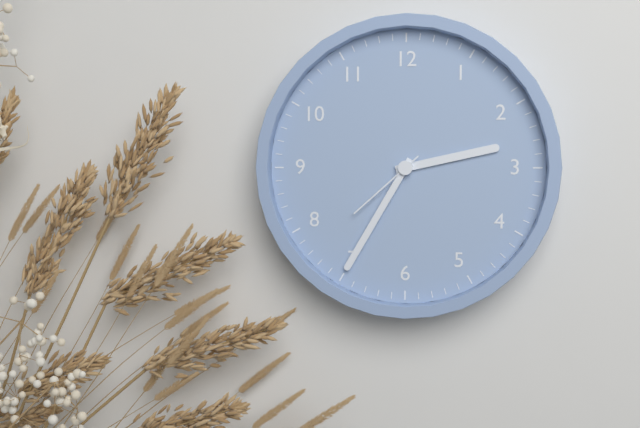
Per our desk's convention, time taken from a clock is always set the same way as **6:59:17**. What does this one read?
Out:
**2:35:38**
